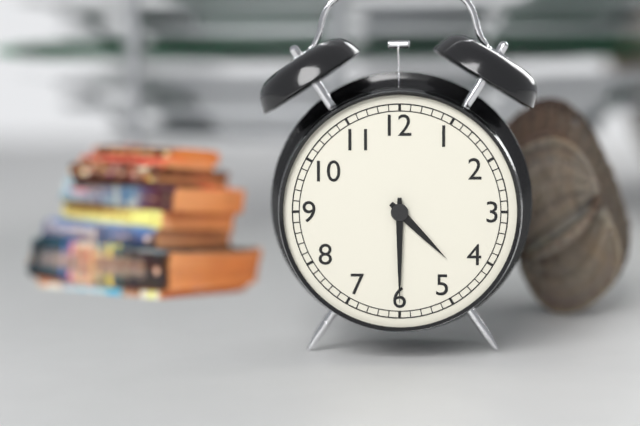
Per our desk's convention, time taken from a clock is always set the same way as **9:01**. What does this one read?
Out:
**4:30**
